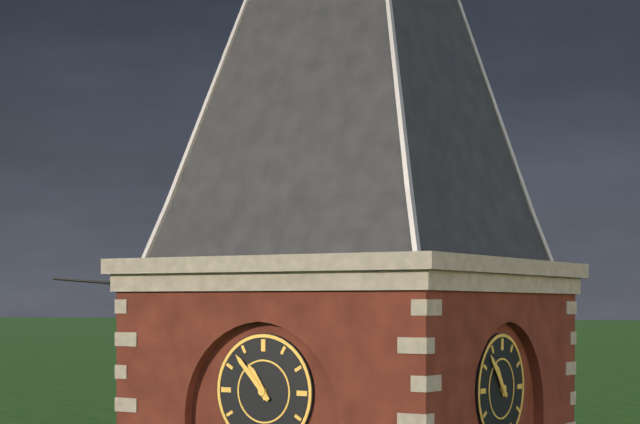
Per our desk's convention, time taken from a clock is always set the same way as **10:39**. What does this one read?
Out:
**10:53**
